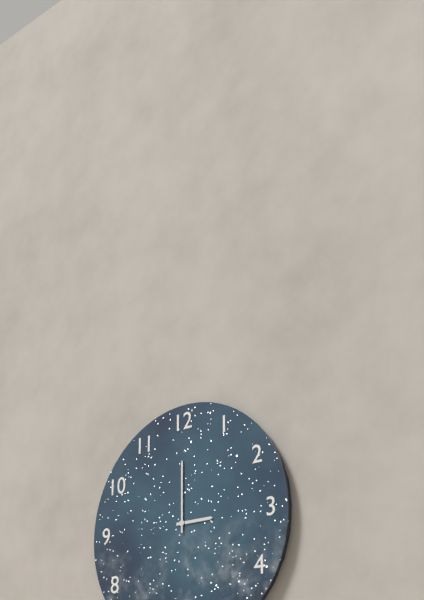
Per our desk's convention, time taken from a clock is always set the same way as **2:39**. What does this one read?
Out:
**3:00**
